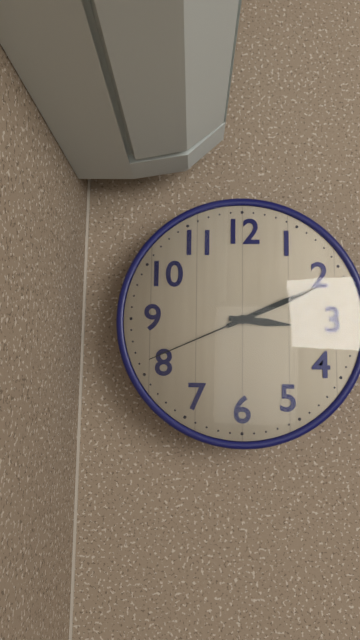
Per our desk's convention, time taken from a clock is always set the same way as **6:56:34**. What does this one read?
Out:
**3:11:41**
